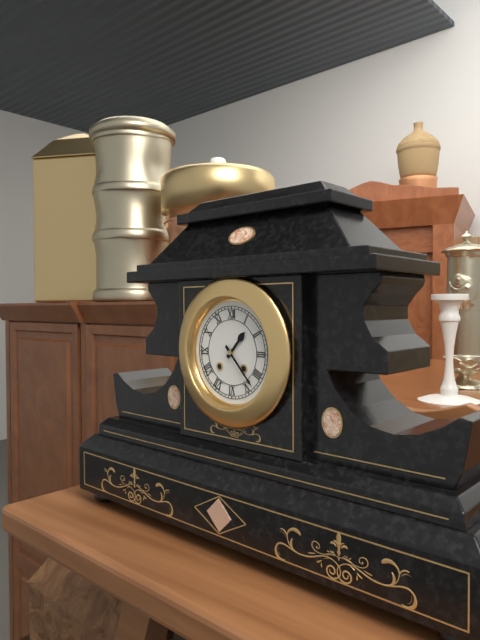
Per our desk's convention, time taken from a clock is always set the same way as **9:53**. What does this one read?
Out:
**1:23**
